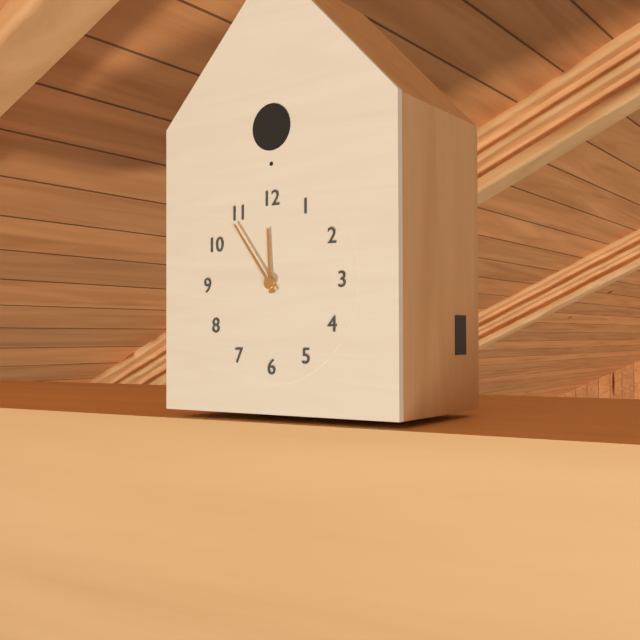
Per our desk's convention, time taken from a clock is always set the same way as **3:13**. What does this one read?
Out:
**11:54**
